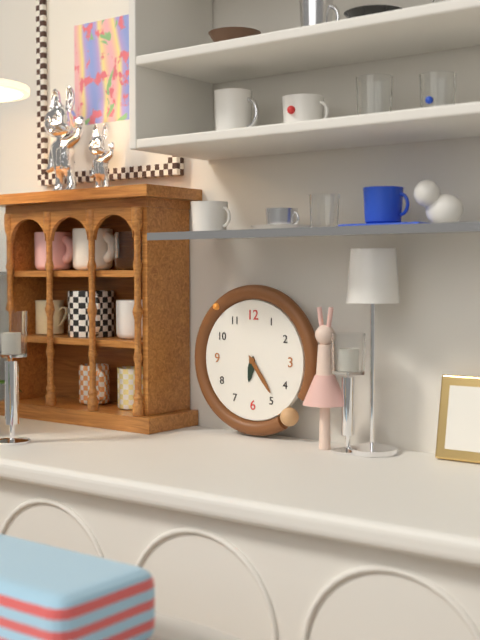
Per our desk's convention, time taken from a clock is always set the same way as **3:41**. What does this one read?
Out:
**6:24**
